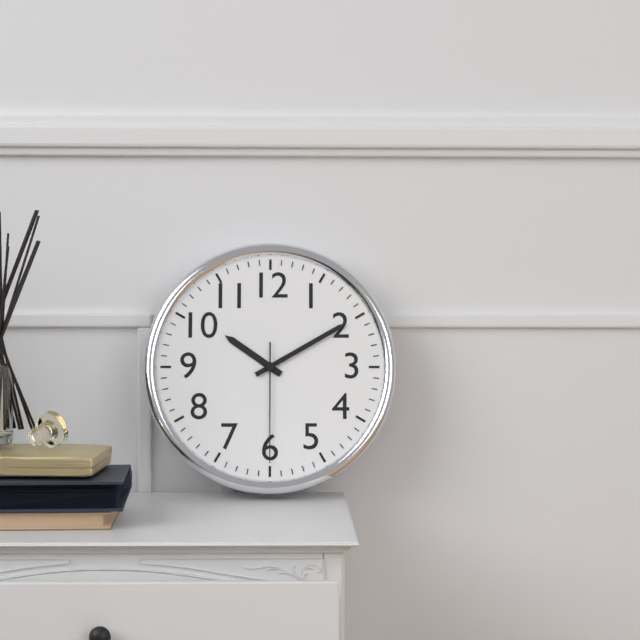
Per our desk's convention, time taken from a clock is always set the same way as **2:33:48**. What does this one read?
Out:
**10:10:30**
